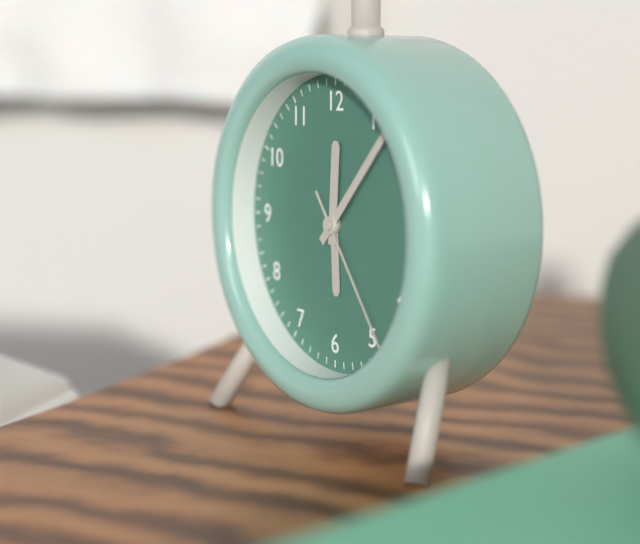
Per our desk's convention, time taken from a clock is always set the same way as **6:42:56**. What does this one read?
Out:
**12:07:24**
